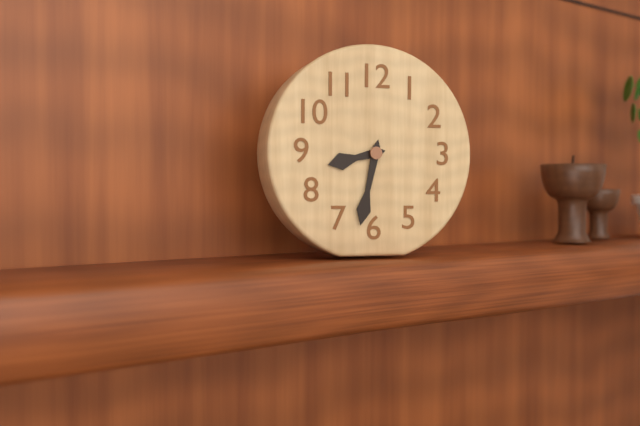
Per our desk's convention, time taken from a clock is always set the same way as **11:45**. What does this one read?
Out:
**8:32**
